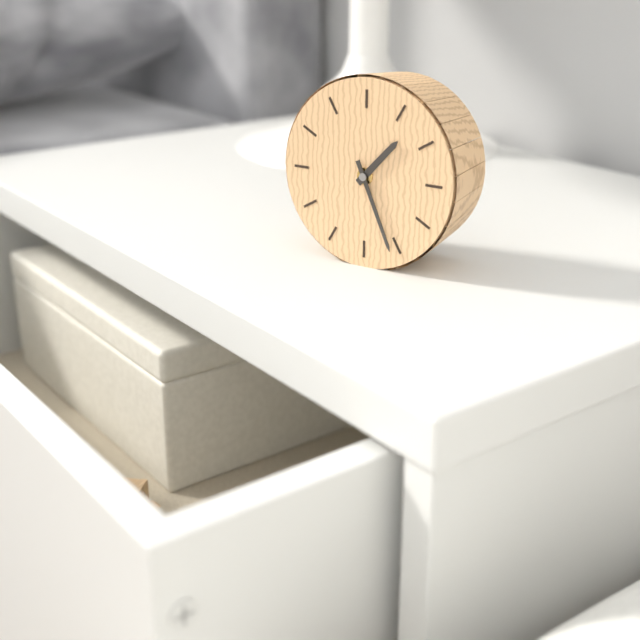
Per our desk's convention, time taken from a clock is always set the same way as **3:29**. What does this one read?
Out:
**1:26**
